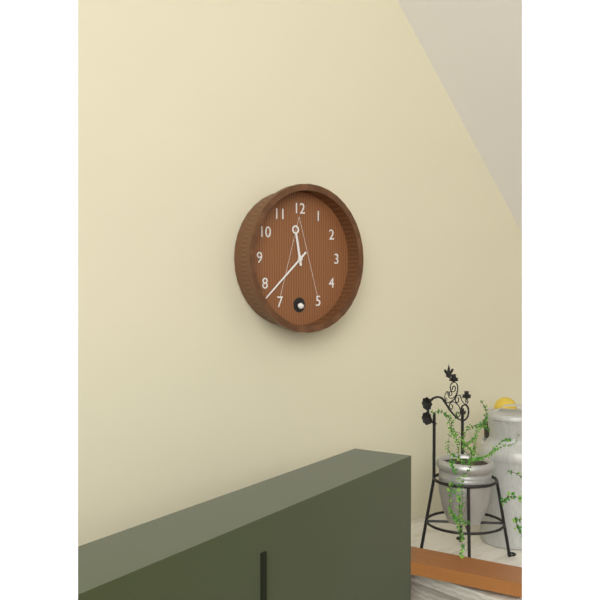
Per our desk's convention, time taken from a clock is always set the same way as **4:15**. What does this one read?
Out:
**11:38**
